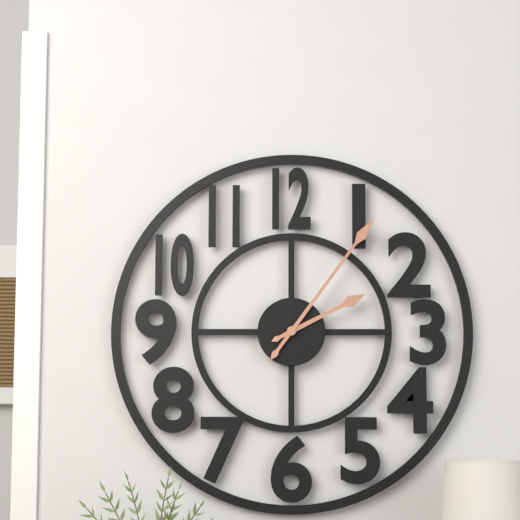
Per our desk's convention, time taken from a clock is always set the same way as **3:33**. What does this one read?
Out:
**2:06**
